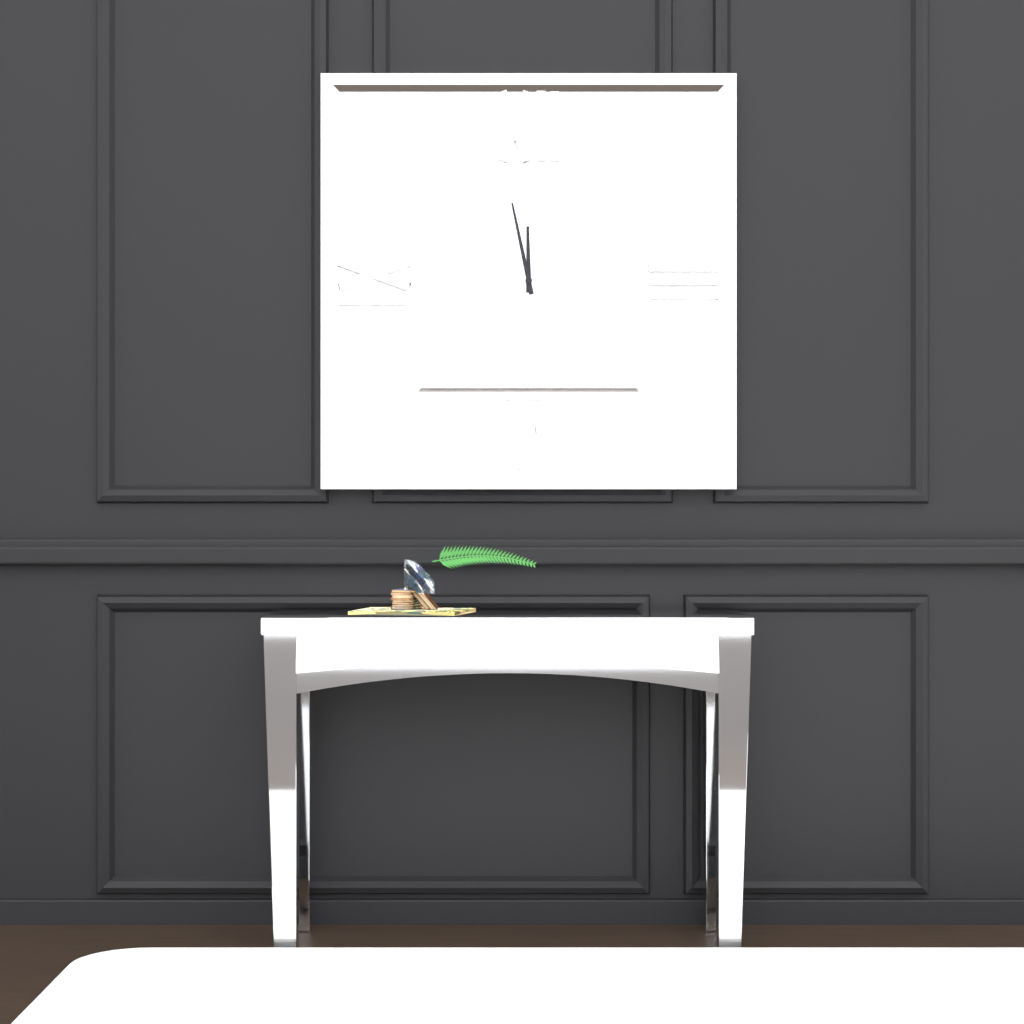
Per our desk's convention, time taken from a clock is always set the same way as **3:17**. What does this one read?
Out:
**11:58**
